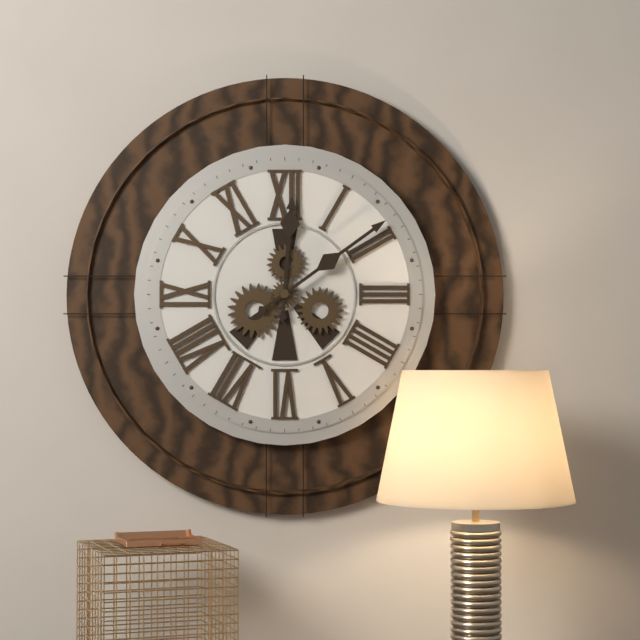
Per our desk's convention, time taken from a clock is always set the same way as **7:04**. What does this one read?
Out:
**12:09**
